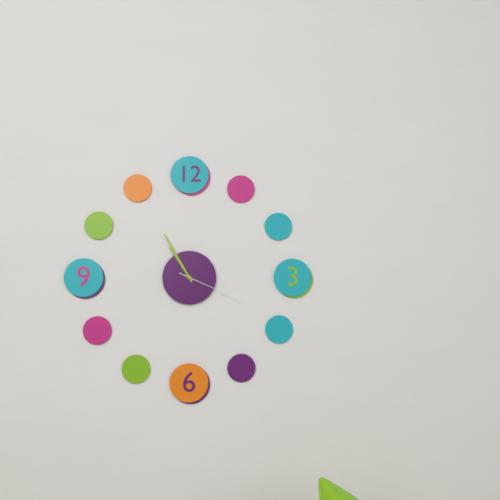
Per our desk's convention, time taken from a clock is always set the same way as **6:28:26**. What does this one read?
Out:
**10:55:19**
